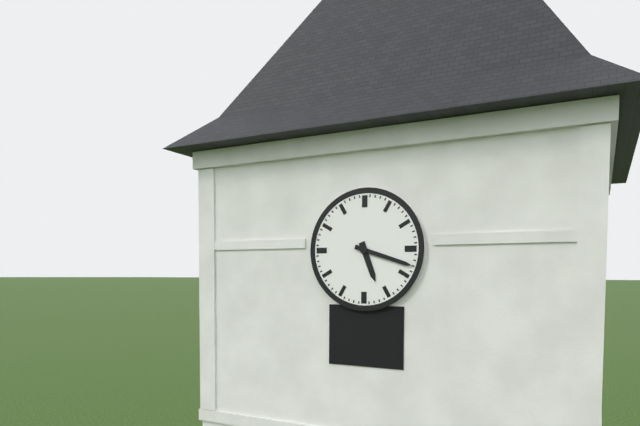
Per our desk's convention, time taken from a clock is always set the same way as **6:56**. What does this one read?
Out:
**5:18**
